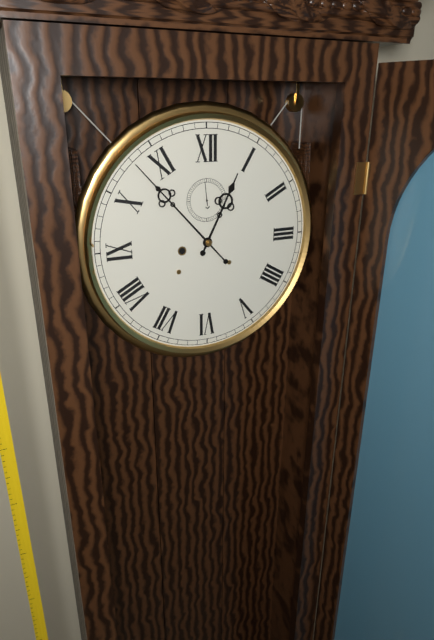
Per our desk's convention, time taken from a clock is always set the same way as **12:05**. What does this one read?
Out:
**12:53**
